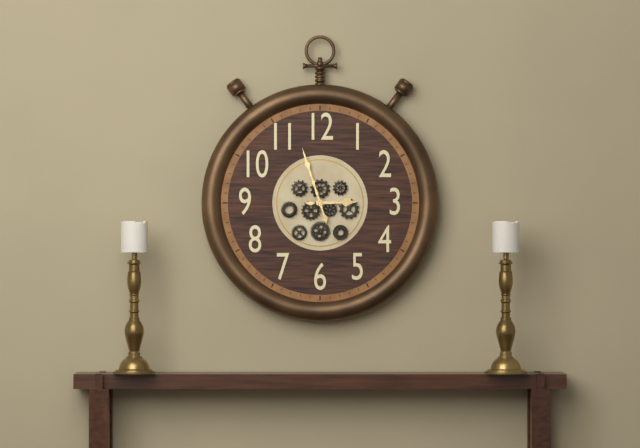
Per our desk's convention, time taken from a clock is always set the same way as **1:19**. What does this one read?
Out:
**2:57**
